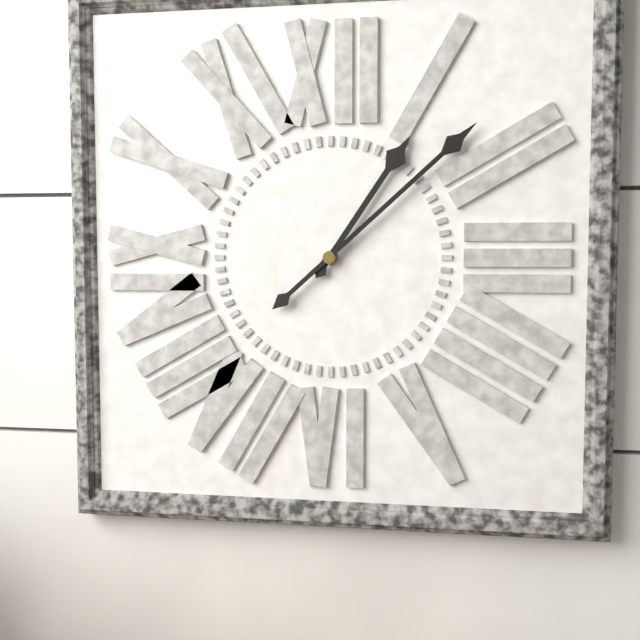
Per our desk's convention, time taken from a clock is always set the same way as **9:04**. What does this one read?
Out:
**1:08**
